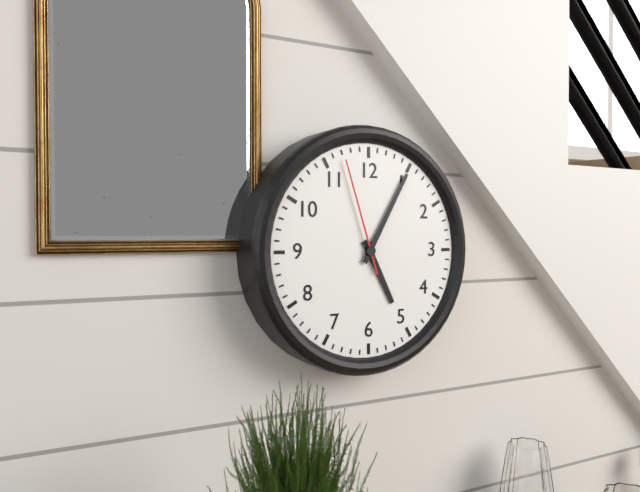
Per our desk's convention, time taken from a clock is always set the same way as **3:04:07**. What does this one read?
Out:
**5:05:57**
